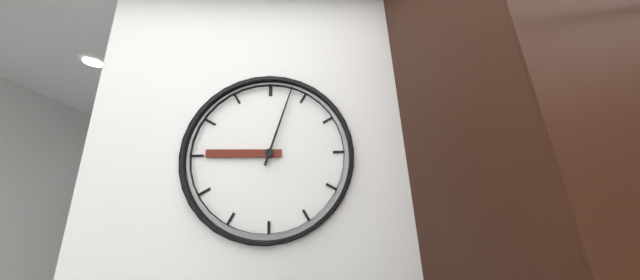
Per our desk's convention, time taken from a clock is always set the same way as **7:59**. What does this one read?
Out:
**9:03**
